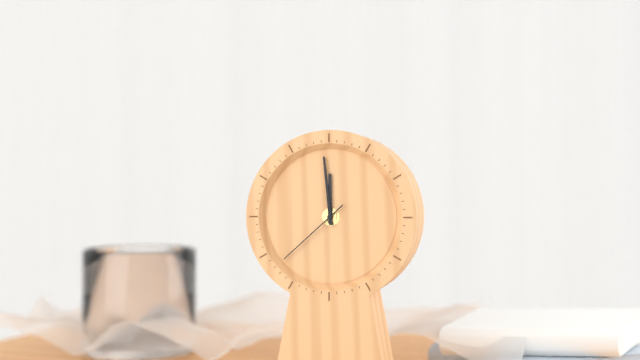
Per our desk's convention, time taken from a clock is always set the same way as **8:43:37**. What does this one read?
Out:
**11:59:38**
